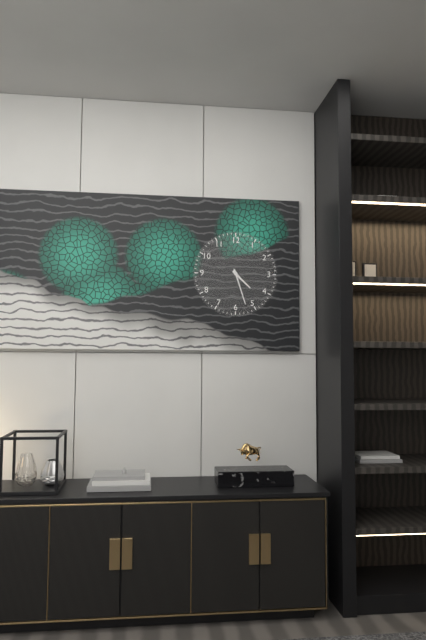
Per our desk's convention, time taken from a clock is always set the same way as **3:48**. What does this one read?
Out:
**4:27**
